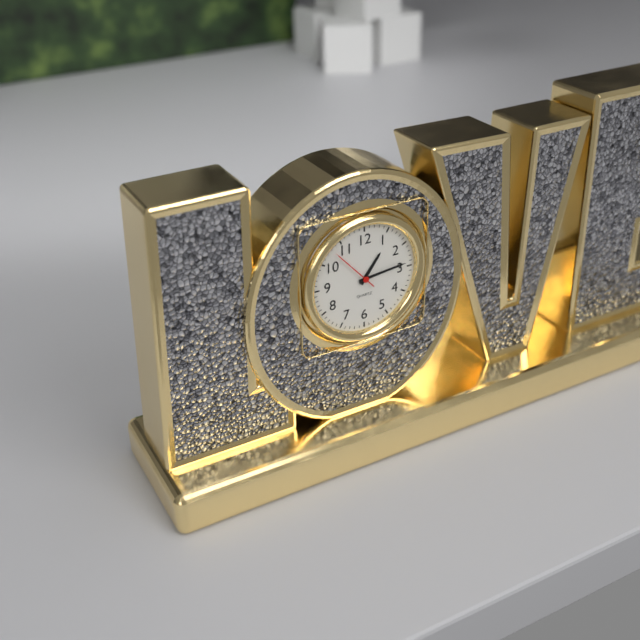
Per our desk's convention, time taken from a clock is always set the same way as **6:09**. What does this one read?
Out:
**1:14**
